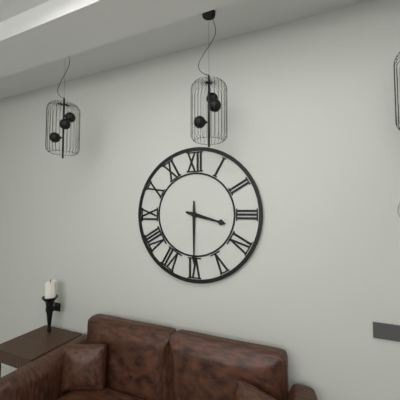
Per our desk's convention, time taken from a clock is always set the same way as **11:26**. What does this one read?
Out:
**3:30**
